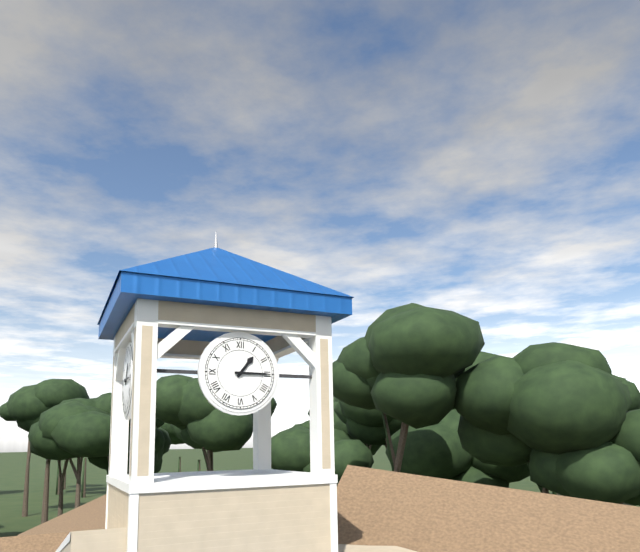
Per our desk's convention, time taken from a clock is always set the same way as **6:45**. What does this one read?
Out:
**1:15**
